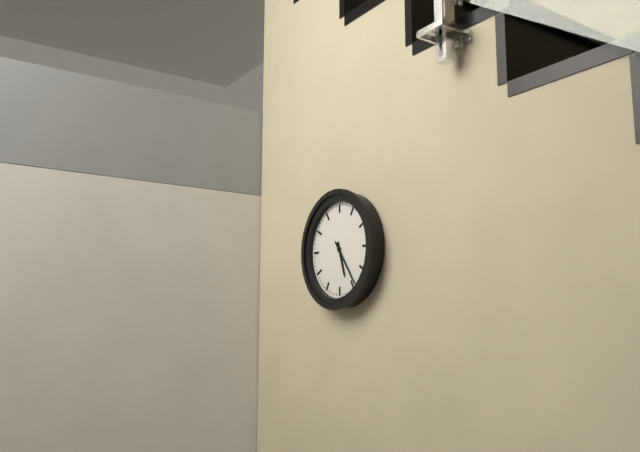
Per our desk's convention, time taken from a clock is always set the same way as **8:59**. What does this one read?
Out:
**5:24**
